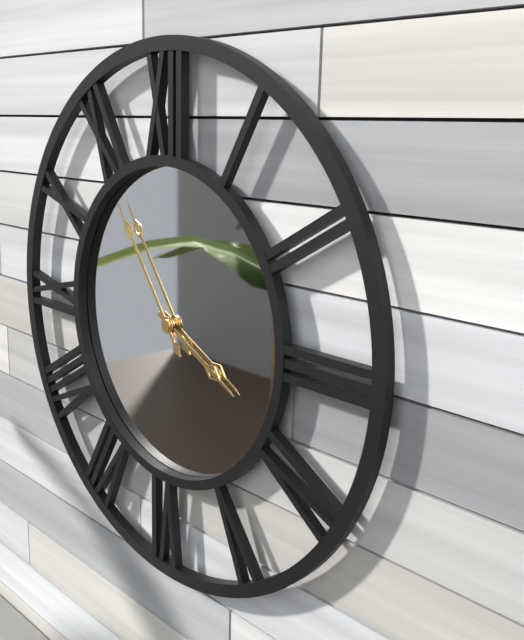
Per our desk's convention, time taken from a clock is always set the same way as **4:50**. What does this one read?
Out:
**3:54**
